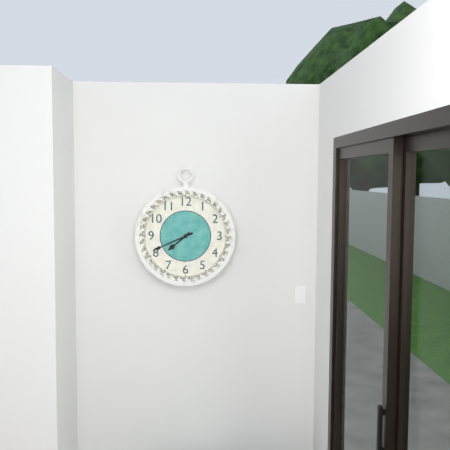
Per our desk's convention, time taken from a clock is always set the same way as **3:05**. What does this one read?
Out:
**7:41**
